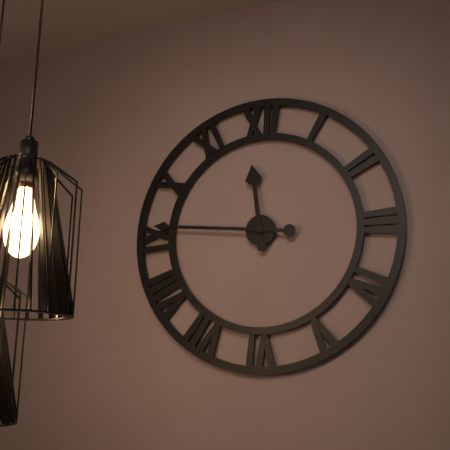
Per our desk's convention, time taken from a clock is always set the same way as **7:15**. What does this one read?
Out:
**11:46**
